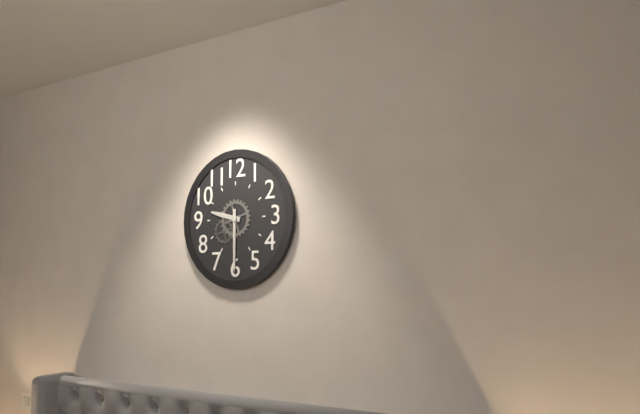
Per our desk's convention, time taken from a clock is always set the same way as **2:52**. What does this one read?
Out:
**9:30**
